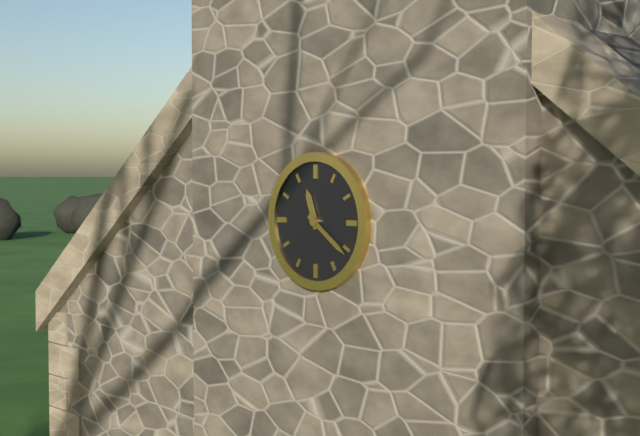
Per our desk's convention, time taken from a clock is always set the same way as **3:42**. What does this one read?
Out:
**11:21**
